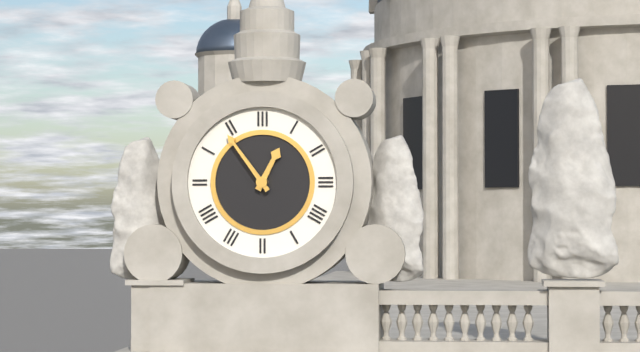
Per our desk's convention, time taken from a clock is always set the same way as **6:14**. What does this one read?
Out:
**12:54**
